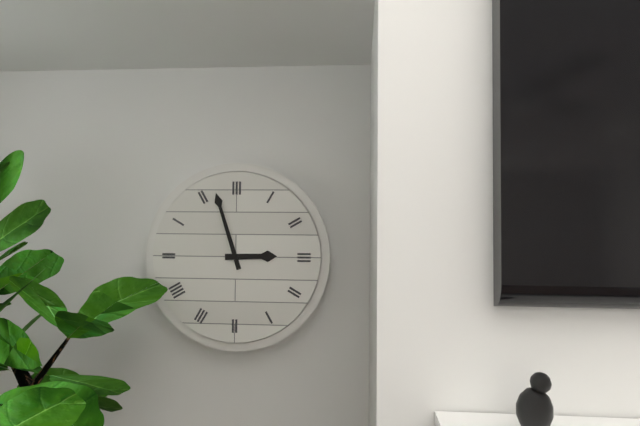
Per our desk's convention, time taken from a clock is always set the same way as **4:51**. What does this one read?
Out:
**2:57**
